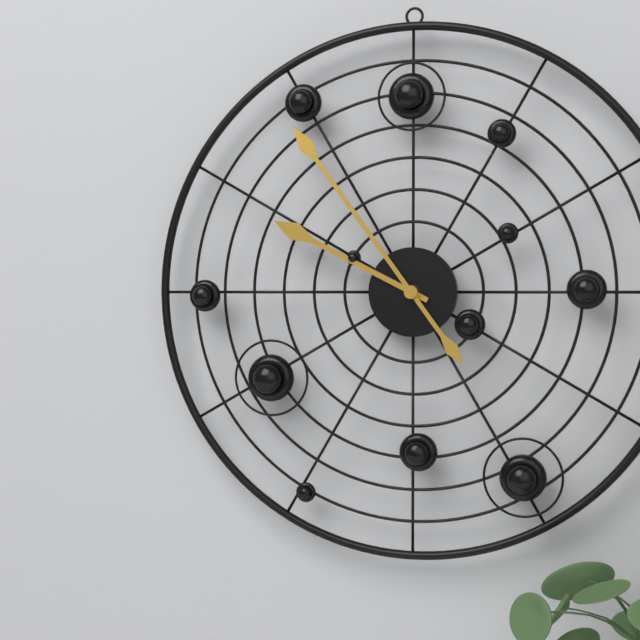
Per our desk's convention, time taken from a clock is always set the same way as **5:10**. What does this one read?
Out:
**9:54**
